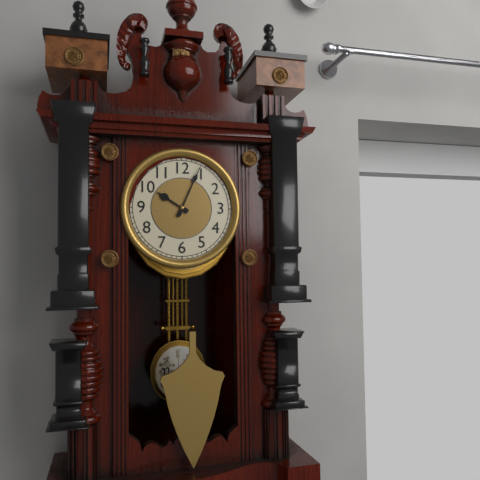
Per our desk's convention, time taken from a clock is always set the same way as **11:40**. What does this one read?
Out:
**10:04**
